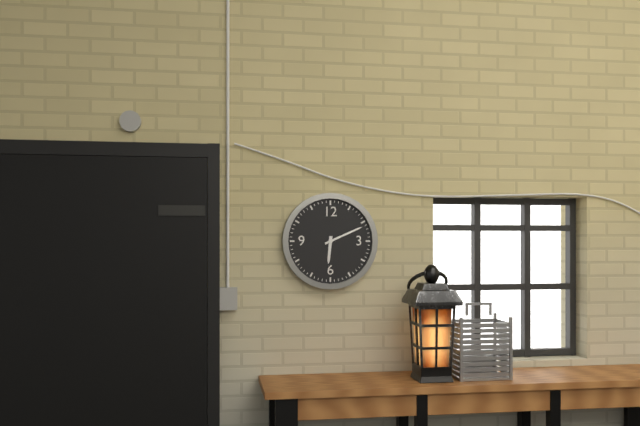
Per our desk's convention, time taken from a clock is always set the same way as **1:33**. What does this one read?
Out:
**6:11**
